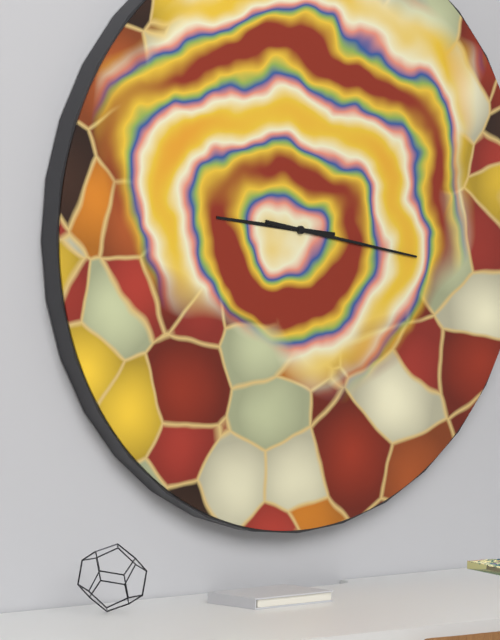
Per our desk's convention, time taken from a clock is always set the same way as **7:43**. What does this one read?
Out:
**9:17**
